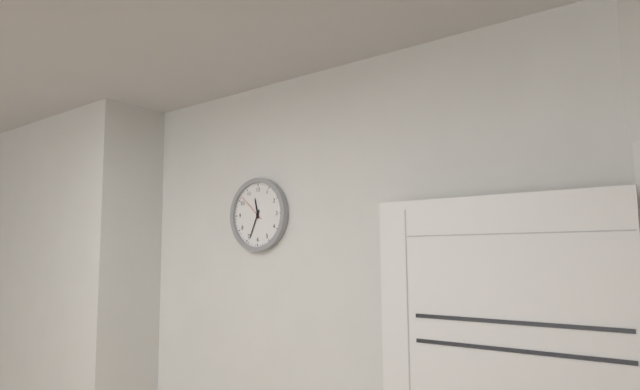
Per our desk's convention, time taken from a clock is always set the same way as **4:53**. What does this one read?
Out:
**11:34**
